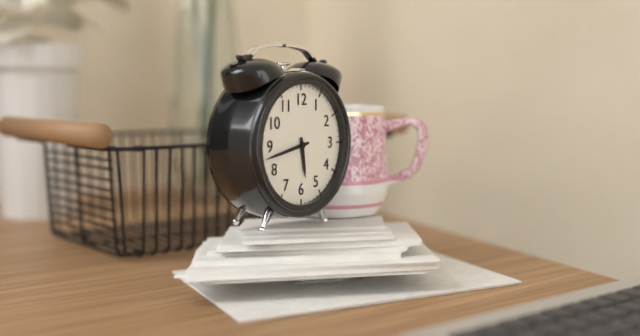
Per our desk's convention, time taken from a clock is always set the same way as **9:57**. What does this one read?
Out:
**5:43**
